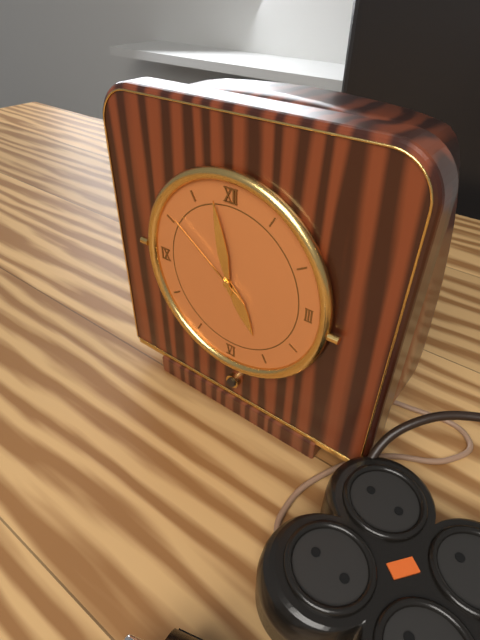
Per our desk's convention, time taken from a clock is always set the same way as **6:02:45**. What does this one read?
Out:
**4:58:51**
